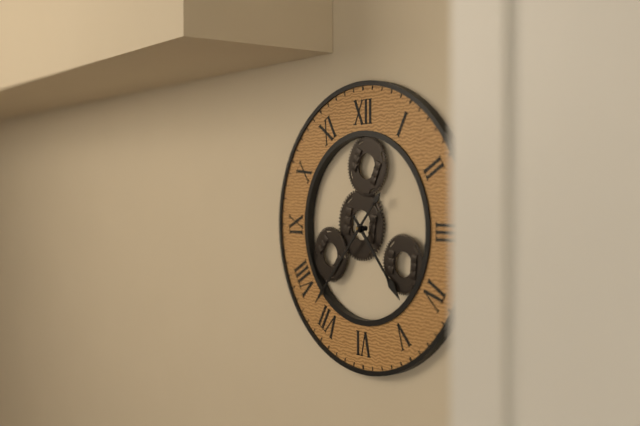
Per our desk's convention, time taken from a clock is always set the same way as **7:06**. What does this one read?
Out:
**4:37**
